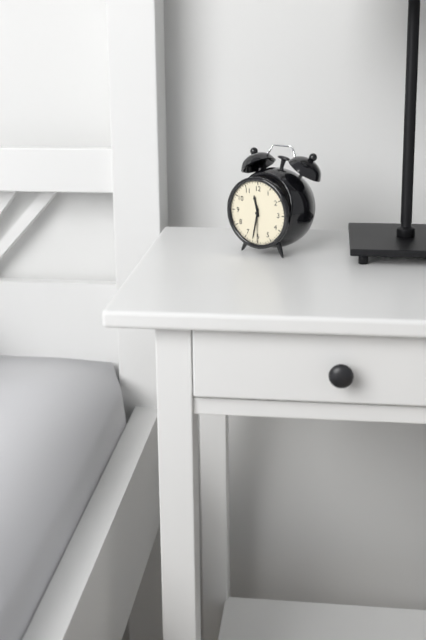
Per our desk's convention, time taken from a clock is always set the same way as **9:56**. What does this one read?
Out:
**11:32**
